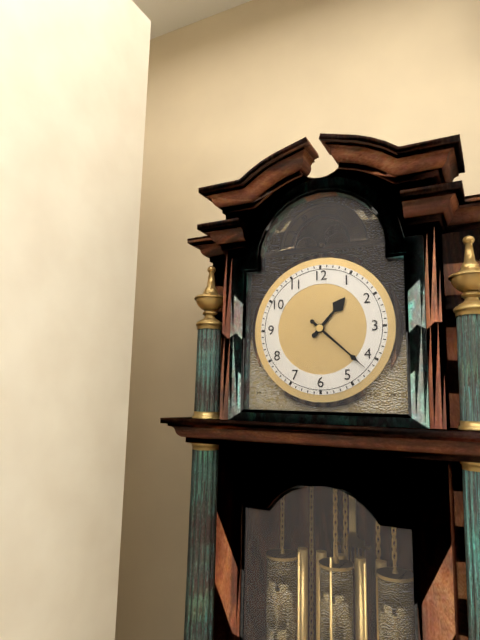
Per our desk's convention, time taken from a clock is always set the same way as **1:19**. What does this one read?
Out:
**1:22**
